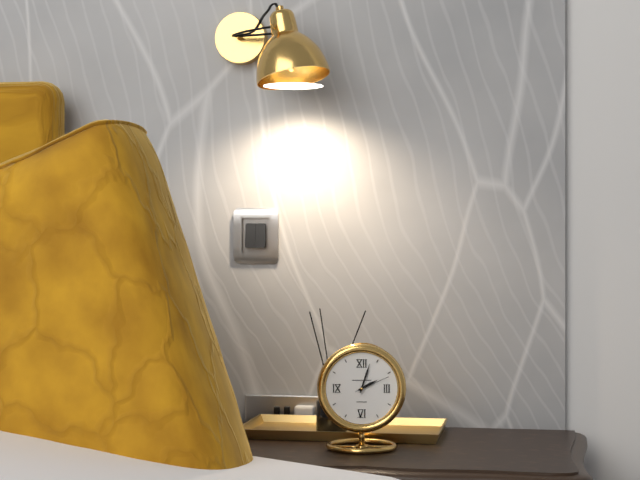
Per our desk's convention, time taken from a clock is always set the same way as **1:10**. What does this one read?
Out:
**2:03**
